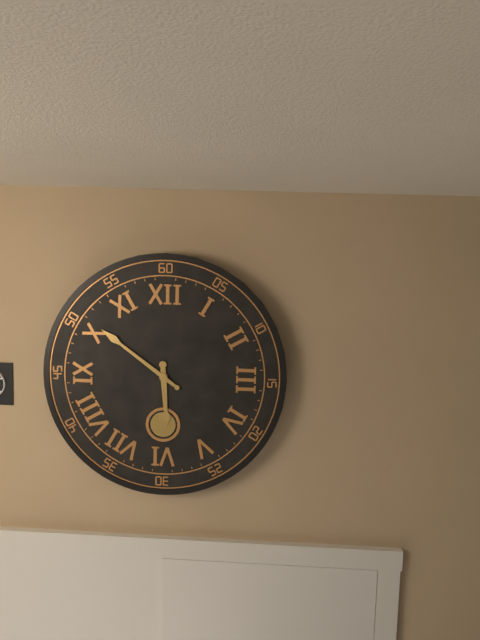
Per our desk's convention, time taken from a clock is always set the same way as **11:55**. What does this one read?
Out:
**5:51**
